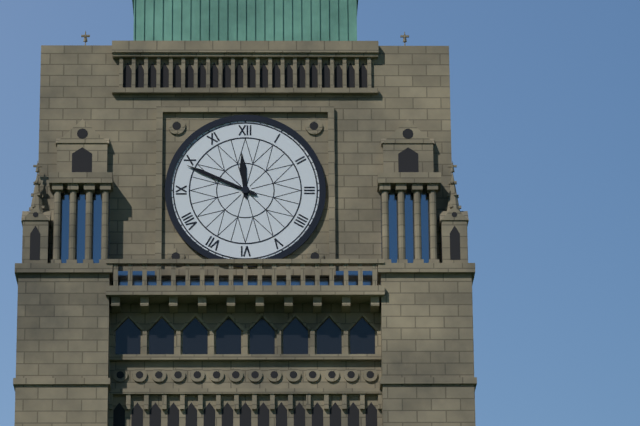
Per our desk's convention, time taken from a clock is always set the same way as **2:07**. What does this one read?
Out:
**11:49**
